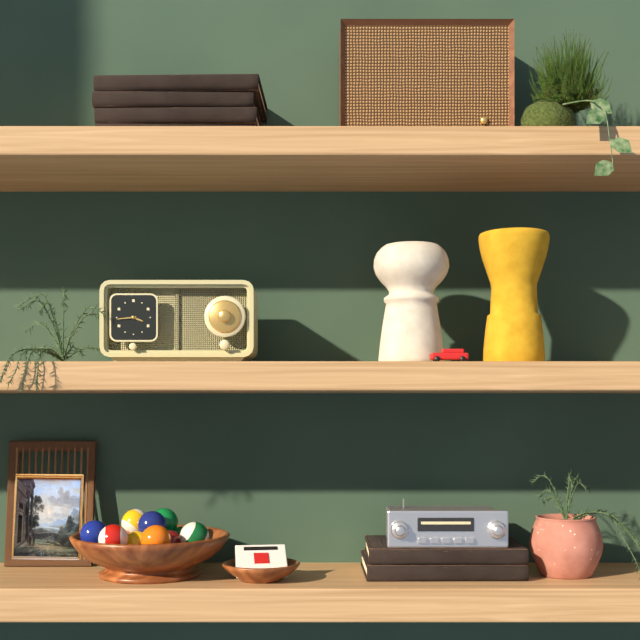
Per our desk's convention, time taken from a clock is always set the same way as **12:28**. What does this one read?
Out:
**3:44**
